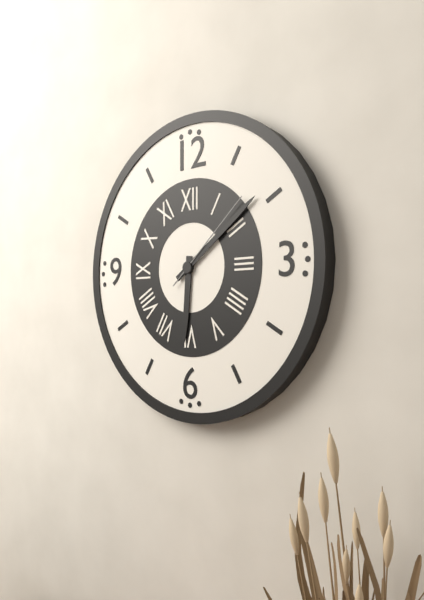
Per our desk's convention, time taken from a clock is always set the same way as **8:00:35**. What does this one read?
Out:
**6:09:08**
